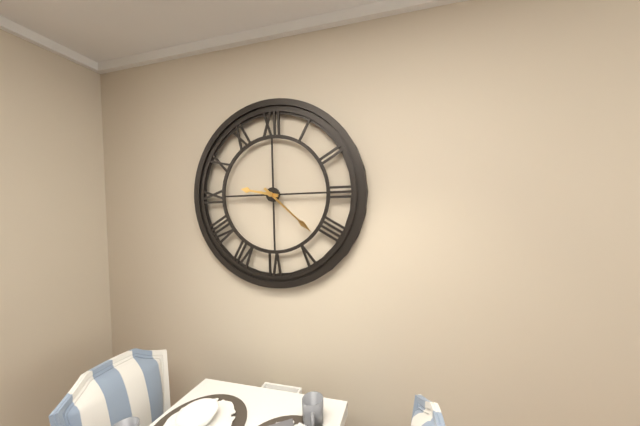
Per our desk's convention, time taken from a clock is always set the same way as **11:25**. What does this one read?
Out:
**9:22**
